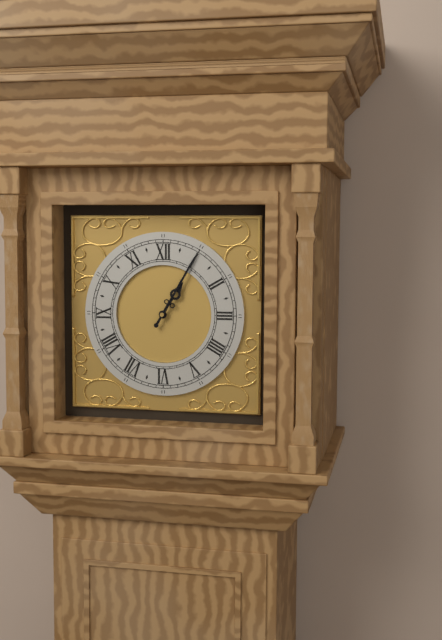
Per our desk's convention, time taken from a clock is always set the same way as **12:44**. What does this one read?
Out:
**1:05**
